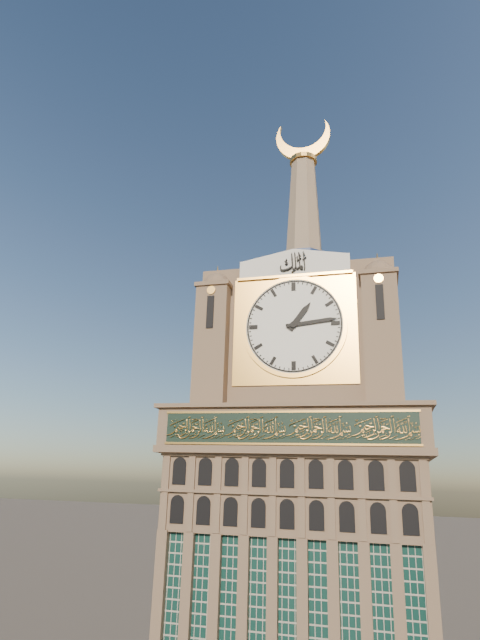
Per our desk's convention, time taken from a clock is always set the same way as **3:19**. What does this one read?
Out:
**1:14**
